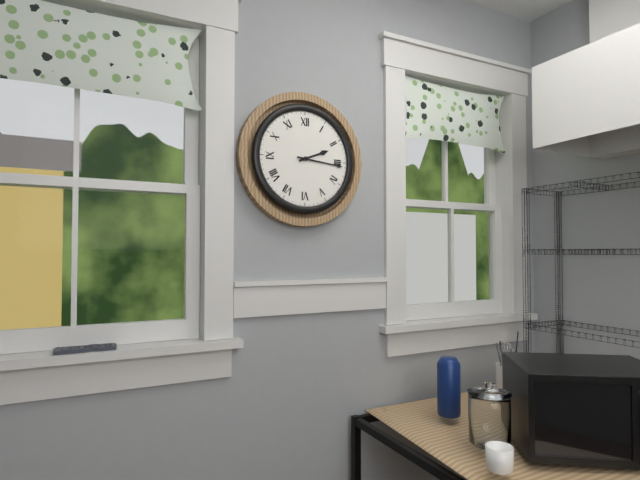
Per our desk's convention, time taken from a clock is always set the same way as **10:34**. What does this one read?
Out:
**2:16**
